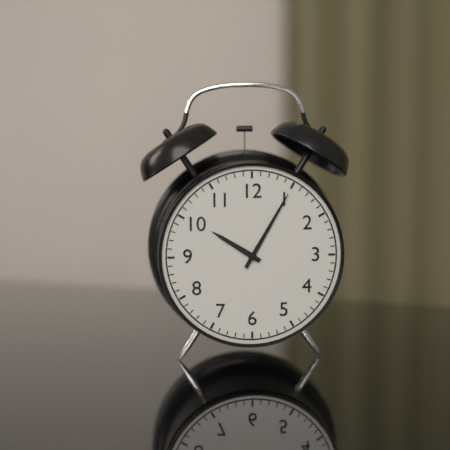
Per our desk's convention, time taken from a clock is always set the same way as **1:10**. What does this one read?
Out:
**10:05**
